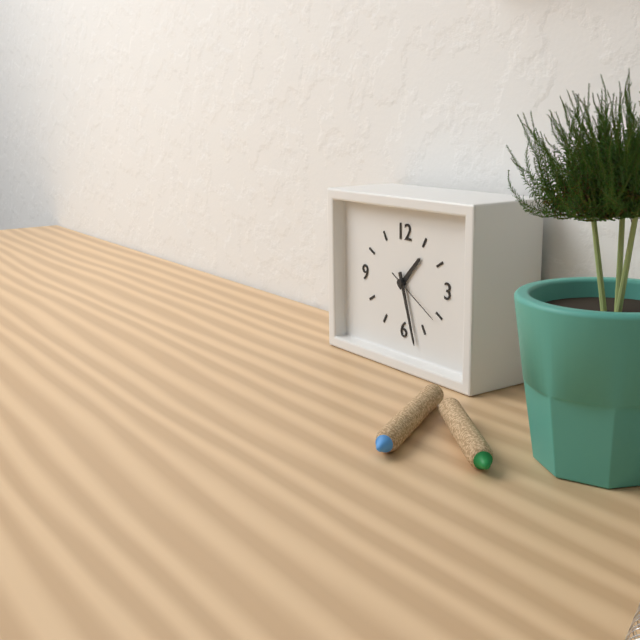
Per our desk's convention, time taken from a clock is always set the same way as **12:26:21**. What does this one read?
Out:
**1:27:20**
